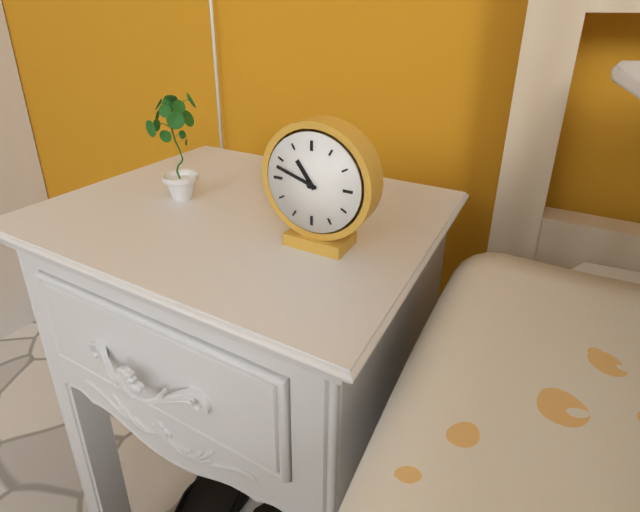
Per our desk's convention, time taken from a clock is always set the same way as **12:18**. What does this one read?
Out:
**10:48**
